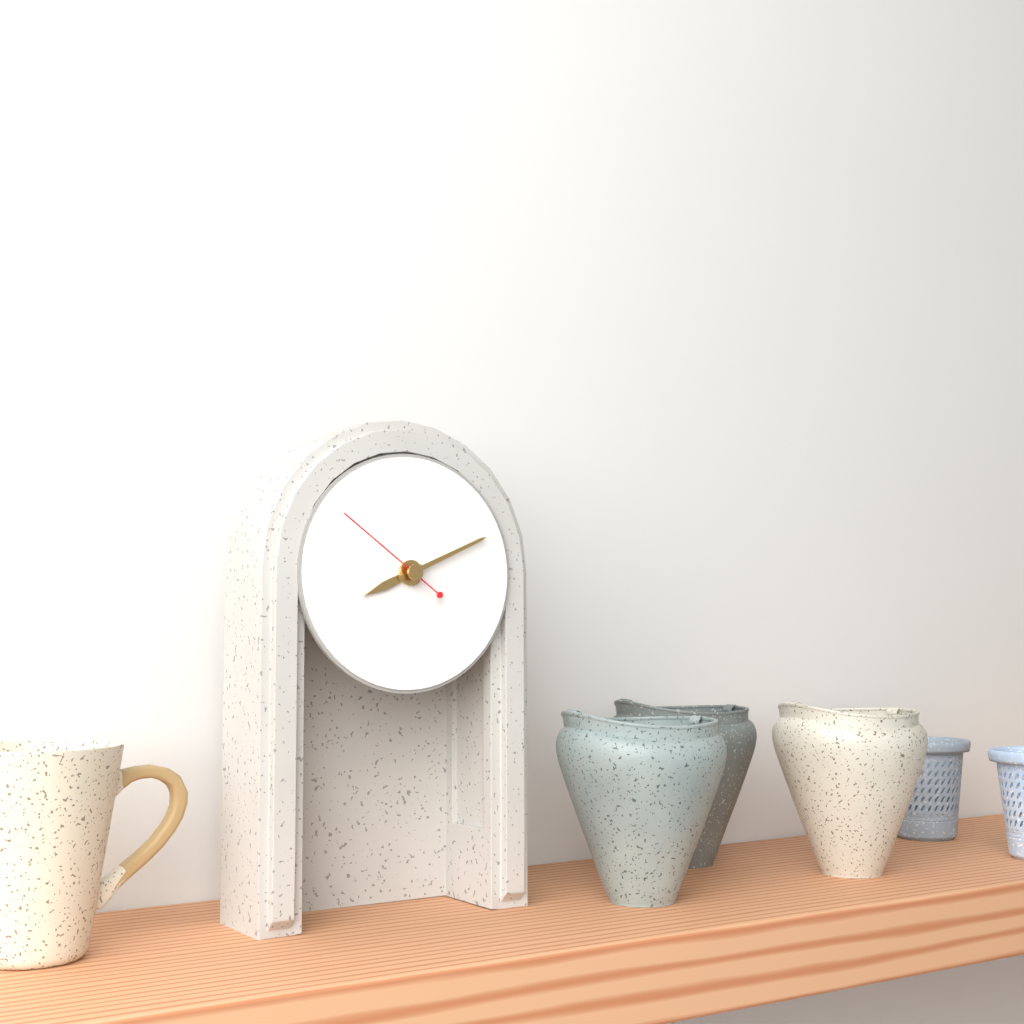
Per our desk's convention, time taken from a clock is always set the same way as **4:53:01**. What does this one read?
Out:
**8:11:51**
